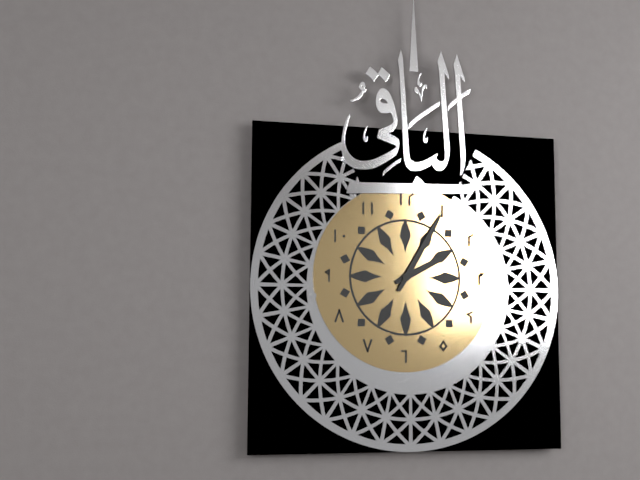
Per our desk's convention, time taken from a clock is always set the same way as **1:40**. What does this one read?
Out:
**2:05**
